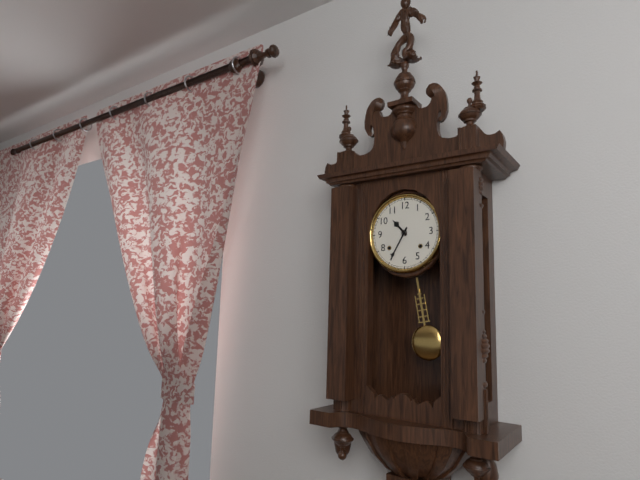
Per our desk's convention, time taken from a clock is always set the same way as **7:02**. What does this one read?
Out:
**10:35**
